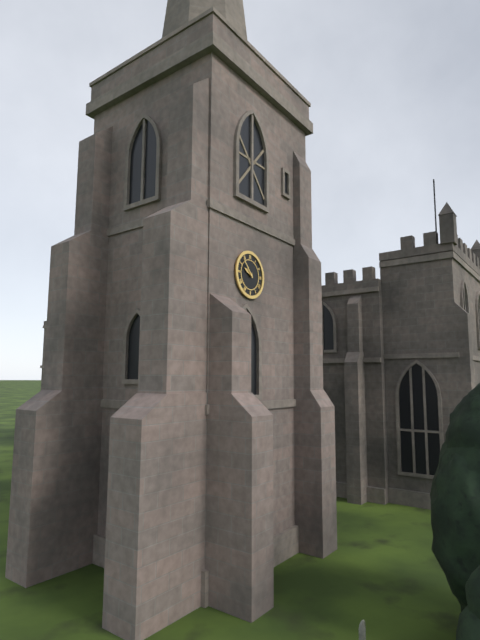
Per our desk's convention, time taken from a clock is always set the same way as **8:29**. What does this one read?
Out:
**9:53**
